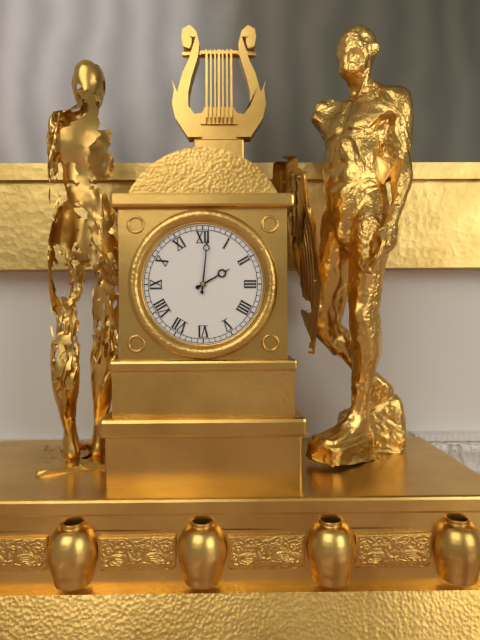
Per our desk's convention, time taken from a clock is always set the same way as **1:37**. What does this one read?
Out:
**2:01**
